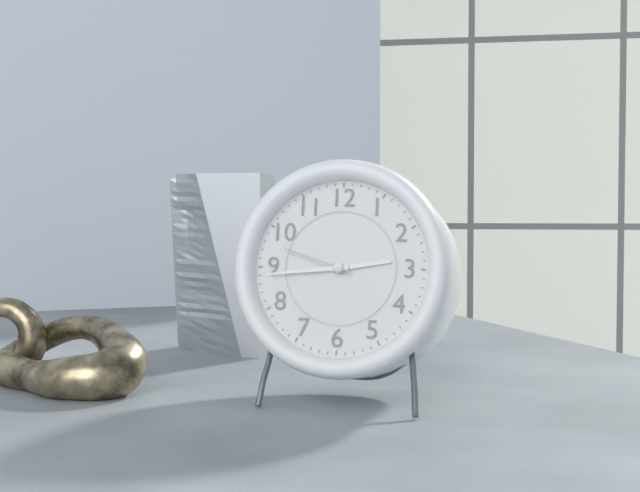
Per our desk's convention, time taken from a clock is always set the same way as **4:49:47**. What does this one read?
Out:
**2:44:48**
